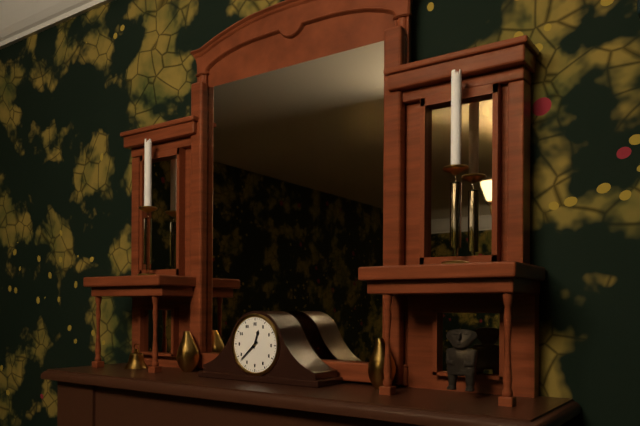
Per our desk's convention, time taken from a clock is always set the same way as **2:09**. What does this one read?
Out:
**12:38**
